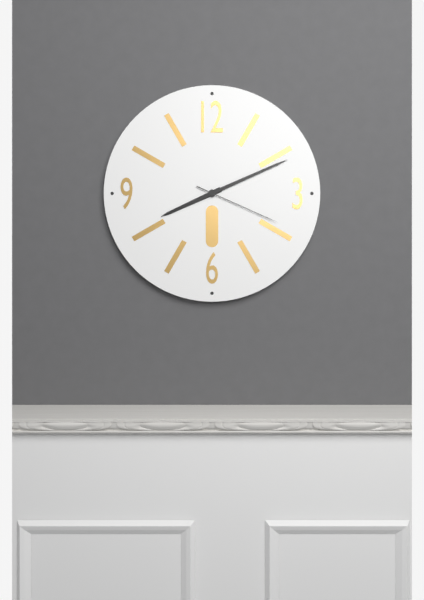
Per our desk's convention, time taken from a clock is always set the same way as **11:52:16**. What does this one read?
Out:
**8:11:19**
